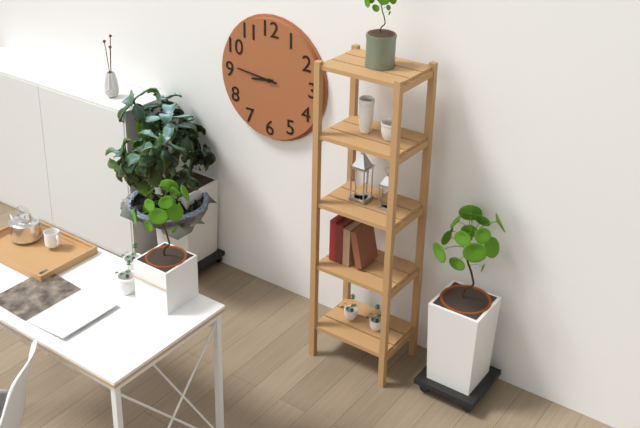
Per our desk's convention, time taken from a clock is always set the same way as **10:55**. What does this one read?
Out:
**8:46**
